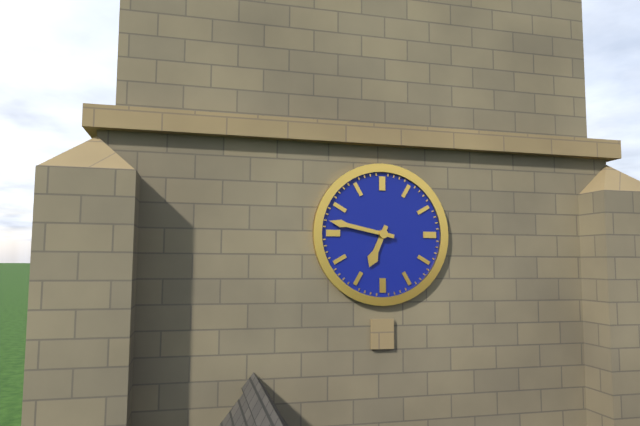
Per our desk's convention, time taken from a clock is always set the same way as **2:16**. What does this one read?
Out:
**6:47**
